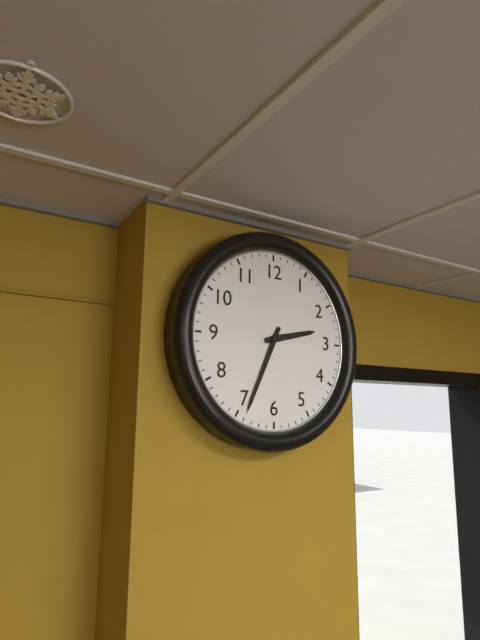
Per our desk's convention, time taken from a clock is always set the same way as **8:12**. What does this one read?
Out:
**2:34**
